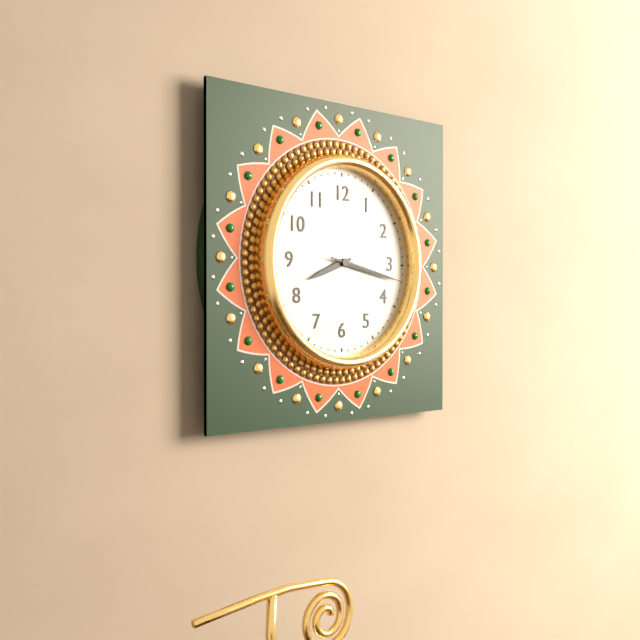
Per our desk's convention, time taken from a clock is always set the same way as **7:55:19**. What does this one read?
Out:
**8:17:17**
